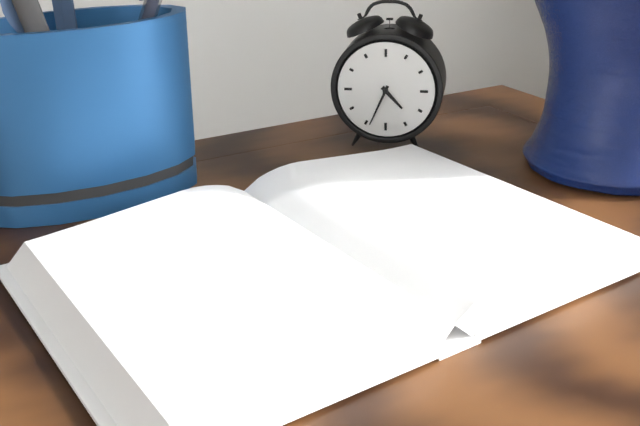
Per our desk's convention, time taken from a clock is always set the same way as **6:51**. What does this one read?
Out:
**4:34**
